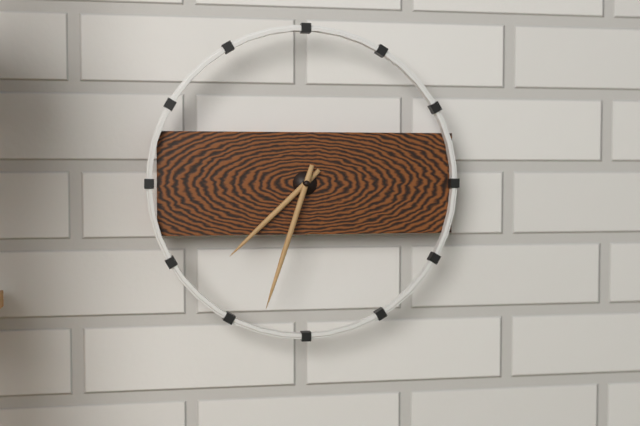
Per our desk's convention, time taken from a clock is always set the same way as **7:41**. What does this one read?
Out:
**7:33**
